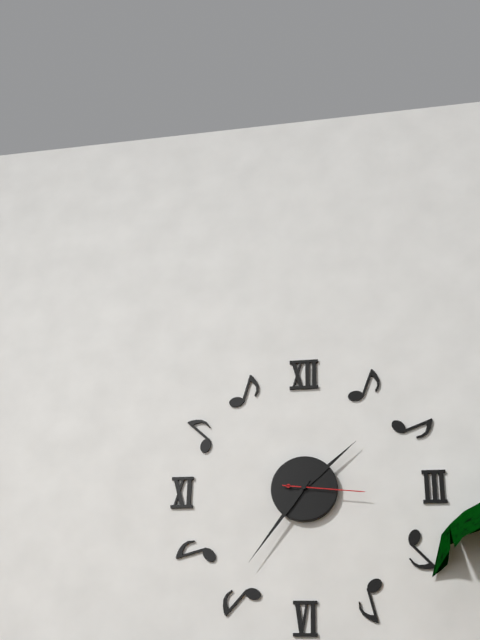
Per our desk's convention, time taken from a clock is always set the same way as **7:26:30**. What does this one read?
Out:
**1:36:16**
